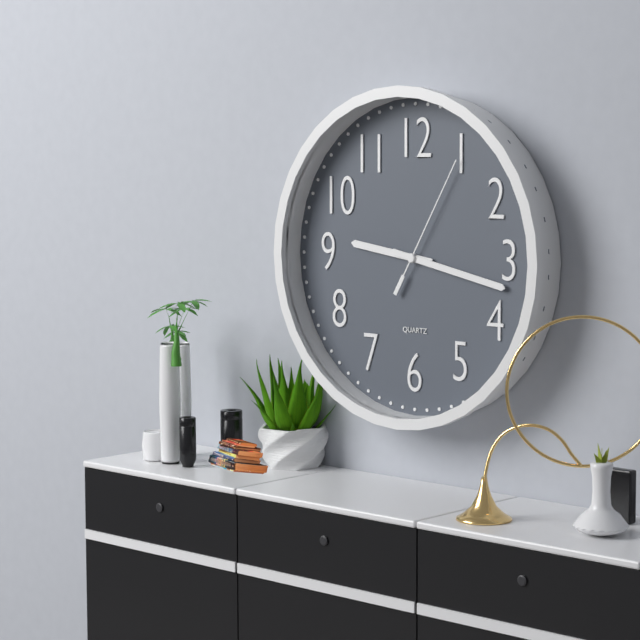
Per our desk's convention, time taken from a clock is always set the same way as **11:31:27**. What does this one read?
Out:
**9:17:05**
